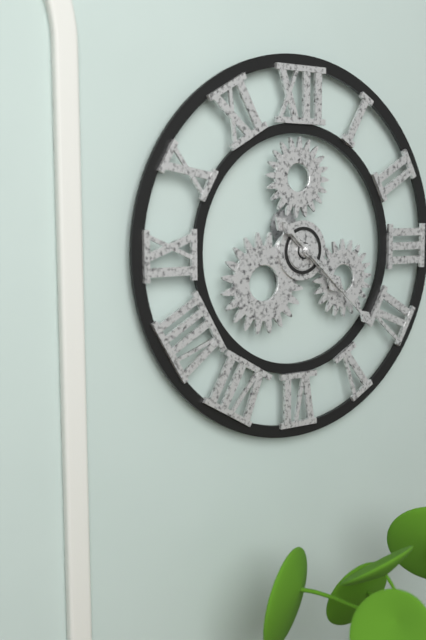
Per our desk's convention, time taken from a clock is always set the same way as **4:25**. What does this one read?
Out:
**4:22**
